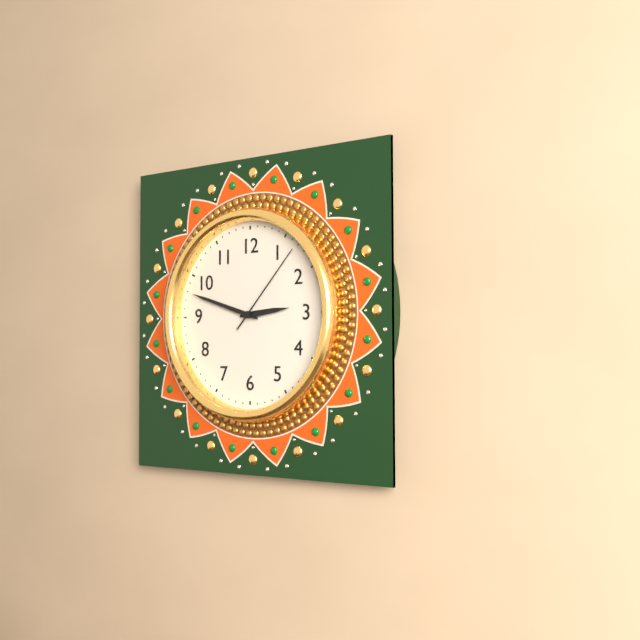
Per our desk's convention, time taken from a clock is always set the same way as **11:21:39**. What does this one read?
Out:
**2:48:07**
